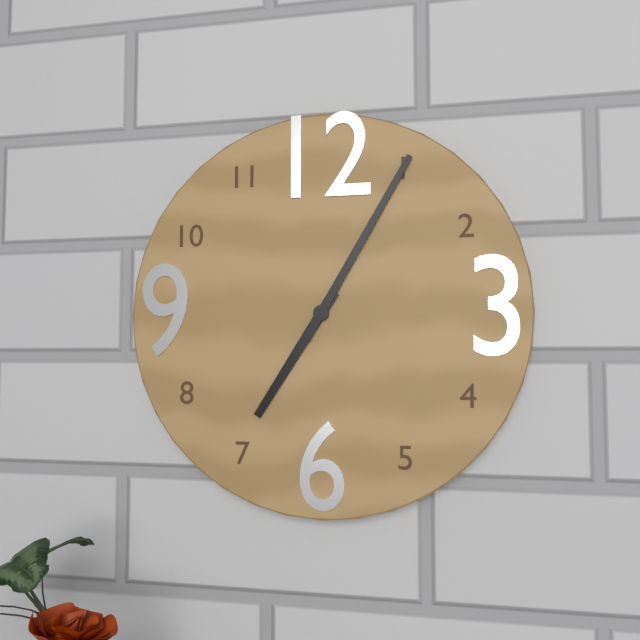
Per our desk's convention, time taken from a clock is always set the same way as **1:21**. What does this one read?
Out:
**7:05**
